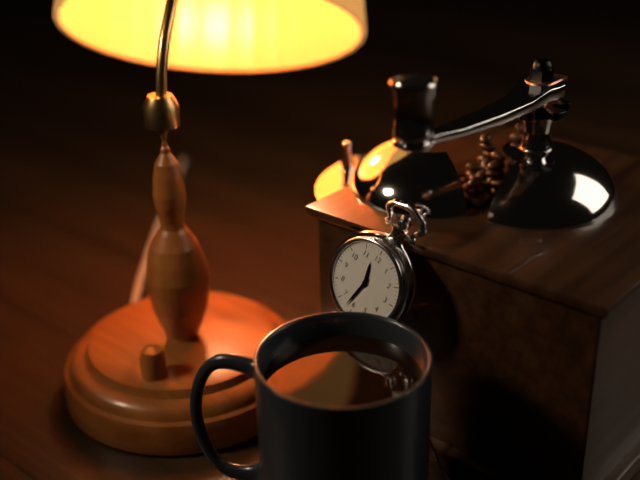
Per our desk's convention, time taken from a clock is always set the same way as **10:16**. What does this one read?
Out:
**11:32**
